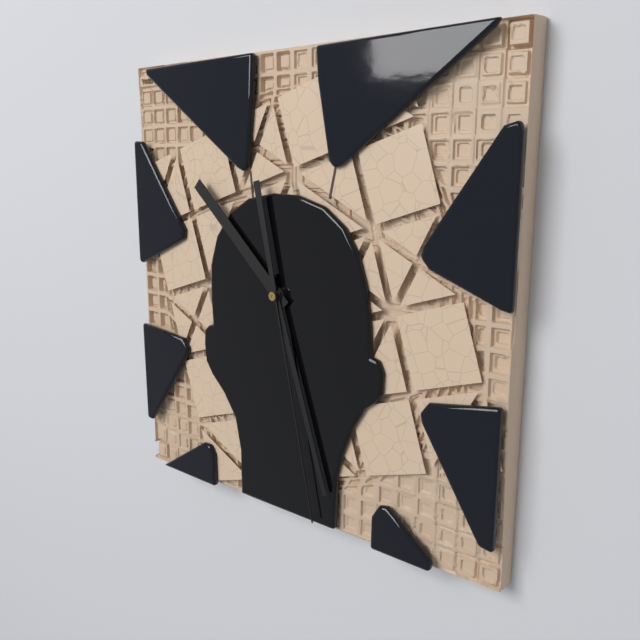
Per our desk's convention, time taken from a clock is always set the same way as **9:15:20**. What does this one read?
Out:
**10:27:28**
